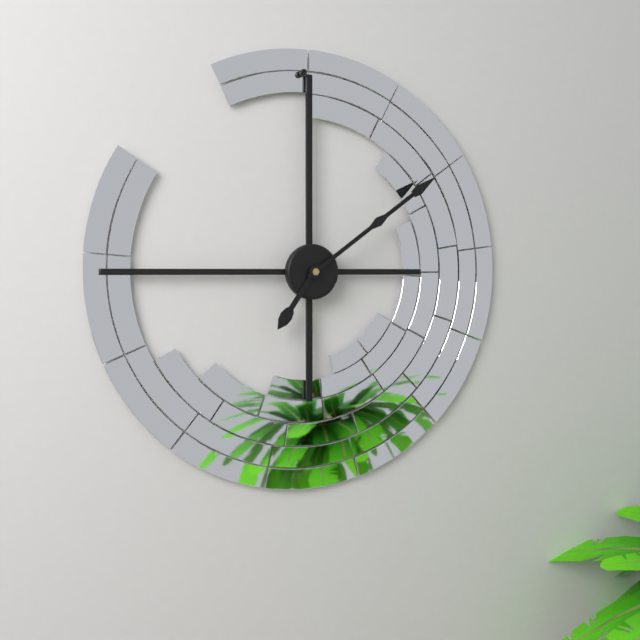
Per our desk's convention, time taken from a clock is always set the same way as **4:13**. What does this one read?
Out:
**7:09**
